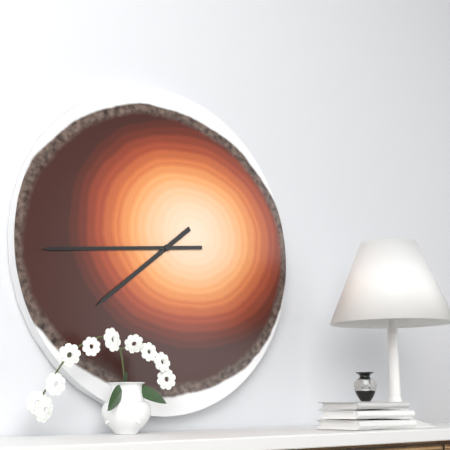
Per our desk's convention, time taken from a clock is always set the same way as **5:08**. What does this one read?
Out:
**7:44**
